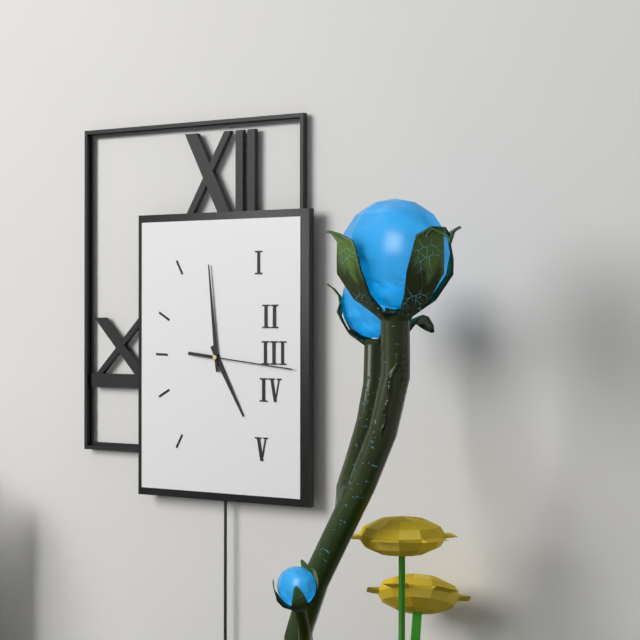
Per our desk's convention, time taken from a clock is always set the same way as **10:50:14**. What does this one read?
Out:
**4:59:16**
